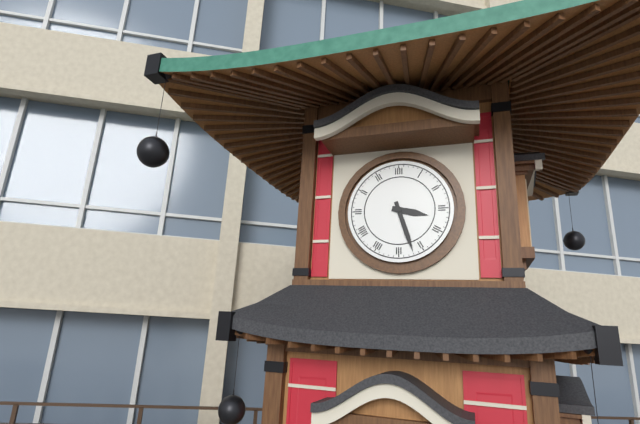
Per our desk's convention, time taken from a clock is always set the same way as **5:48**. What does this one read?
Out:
**3:27**
